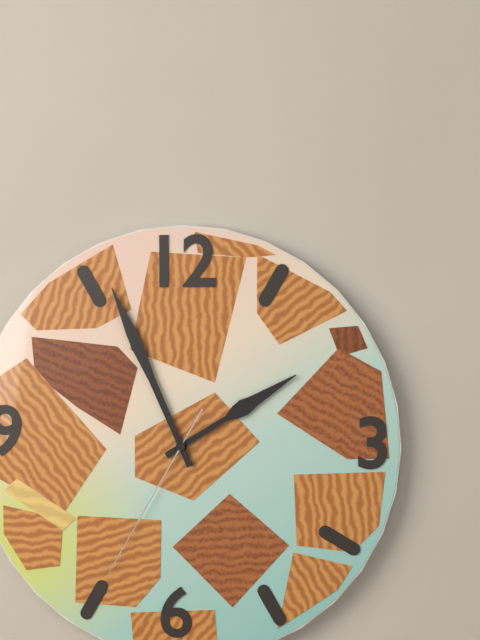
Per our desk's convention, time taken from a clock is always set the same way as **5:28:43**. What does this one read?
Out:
**1:56:35**
